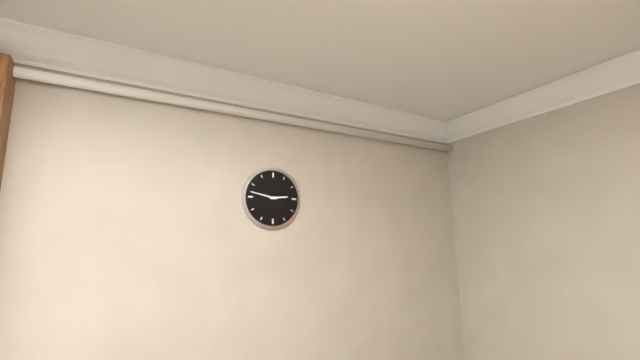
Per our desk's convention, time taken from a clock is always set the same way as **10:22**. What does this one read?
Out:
**2:47**
